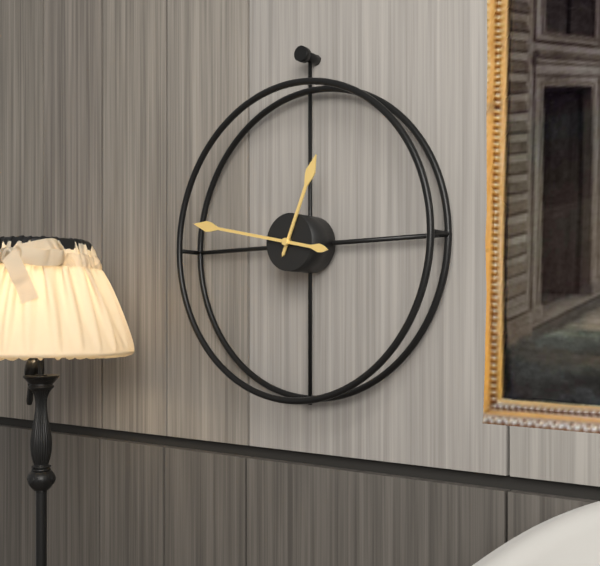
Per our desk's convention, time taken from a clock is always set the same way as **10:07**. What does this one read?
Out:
**12:47**
